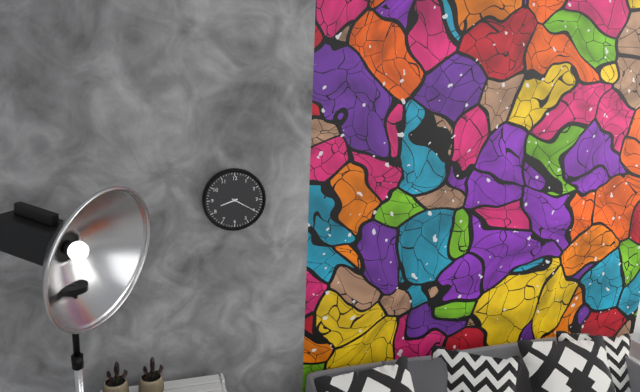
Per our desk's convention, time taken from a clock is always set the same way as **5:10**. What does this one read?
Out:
**8:20**
